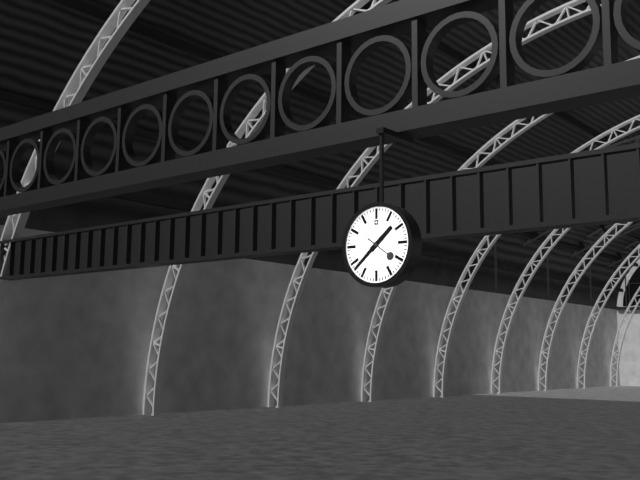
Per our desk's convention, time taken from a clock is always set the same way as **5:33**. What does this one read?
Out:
**1:38**
